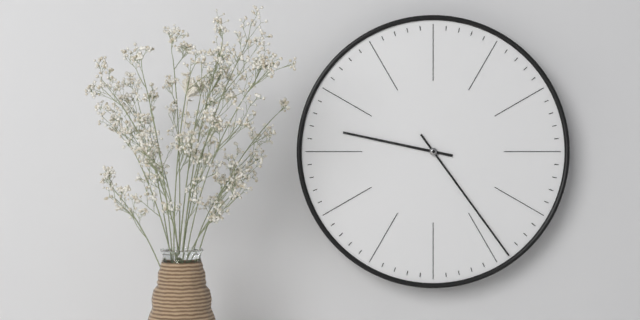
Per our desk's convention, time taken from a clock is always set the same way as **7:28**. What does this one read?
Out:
**9:24**
